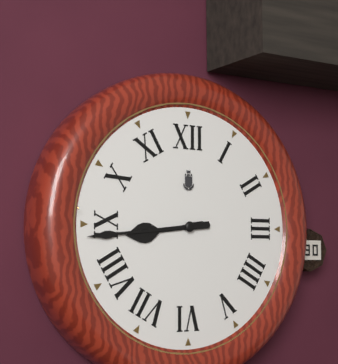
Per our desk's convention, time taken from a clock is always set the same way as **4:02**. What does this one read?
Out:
**8:44**
